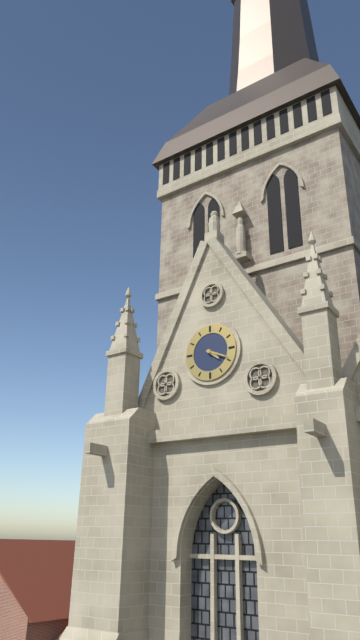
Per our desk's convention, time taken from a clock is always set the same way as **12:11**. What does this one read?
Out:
**4:19**
